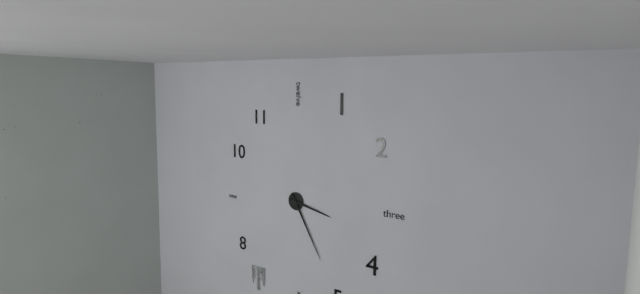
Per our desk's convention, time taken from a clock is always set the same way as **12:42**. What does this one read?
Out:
**3:25**
